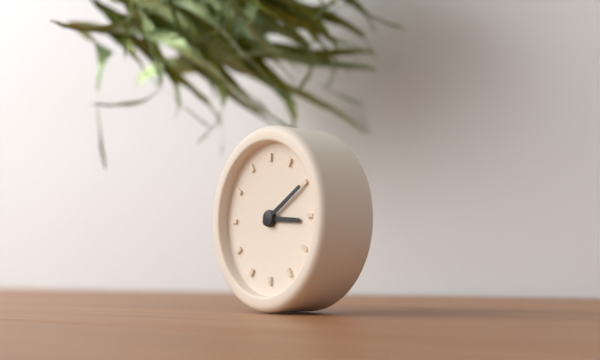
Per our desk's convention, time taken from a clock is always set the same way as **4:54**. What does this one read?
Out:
**3:10**
